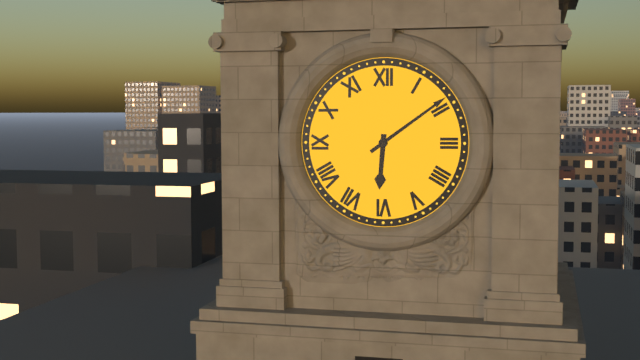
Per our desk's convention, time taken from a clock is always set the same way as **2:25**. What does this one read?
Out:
**6:09**
